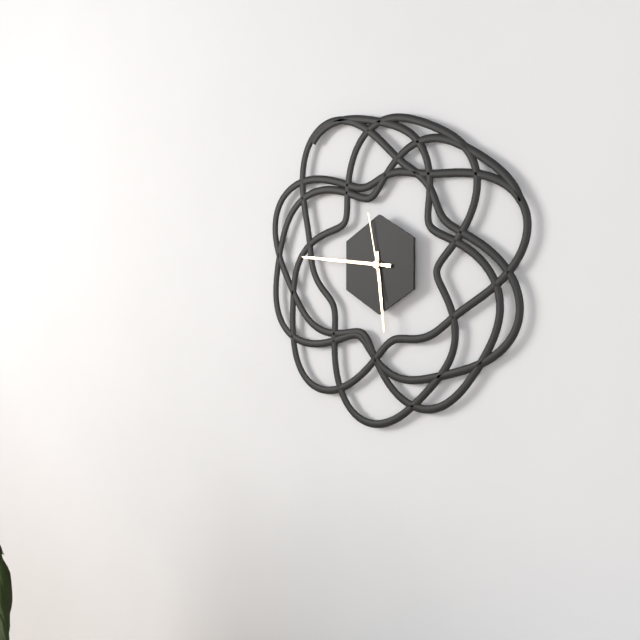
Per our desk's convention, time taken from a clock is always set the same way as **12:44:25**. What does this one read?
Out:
**5:46:58**
